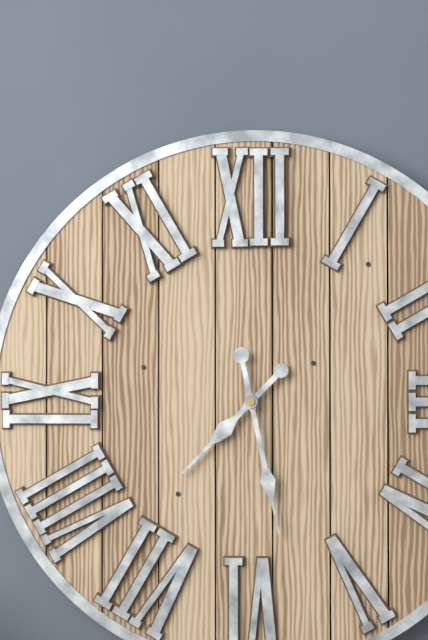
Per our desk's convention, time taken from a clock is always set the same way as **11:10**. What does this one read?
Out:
**7:28**
